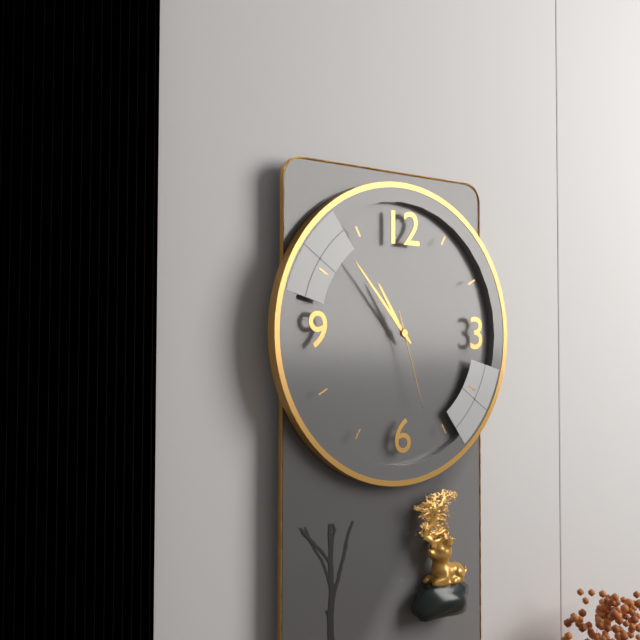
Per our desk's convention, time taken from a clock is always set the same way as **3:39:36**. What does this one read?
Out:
**10:53:27**
